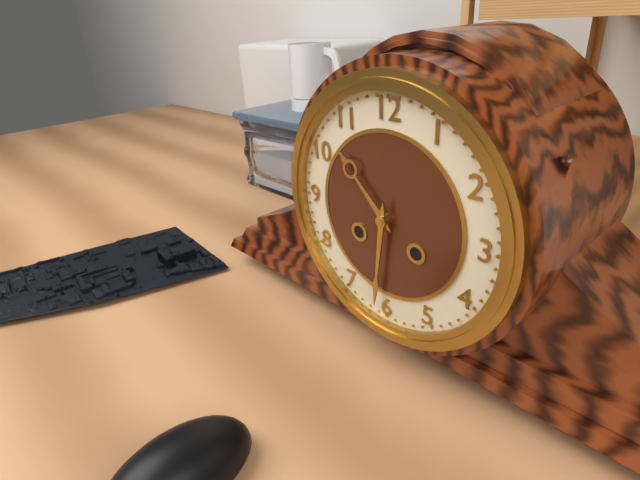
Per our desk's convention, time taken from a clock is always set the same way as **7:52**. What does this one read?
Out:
**10:31**
